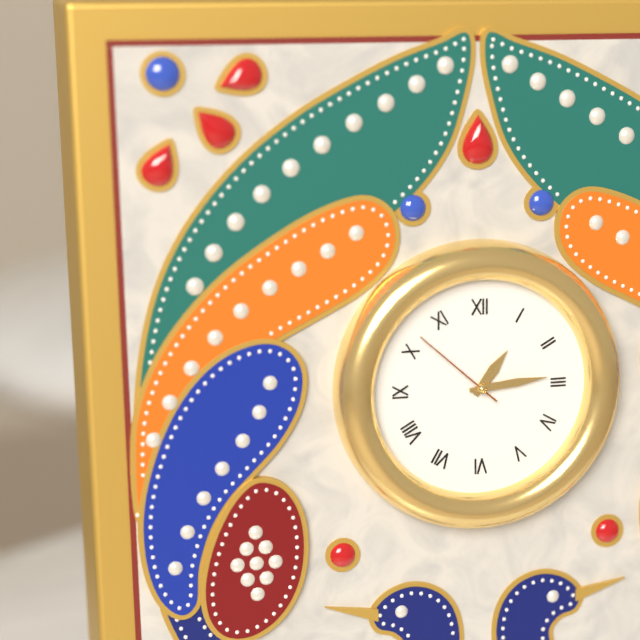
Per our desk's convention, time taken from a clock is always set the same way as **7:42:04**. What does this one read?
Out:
**1:14:52**
